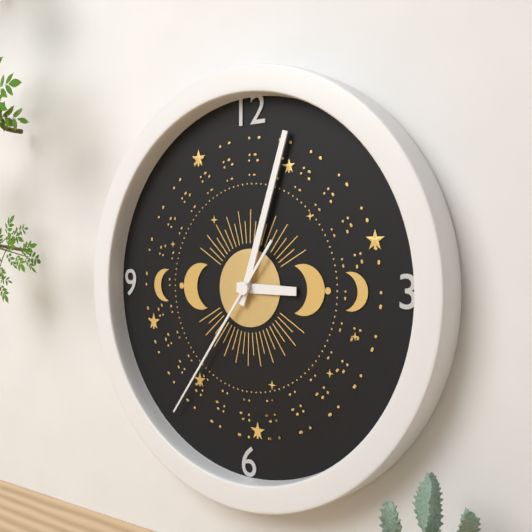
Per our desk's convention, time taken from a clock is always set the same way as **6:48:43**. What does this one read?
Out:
**3:03:36**
